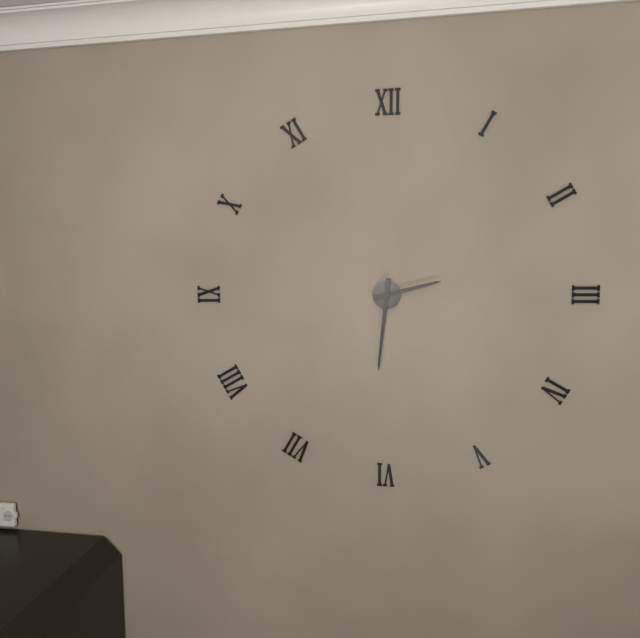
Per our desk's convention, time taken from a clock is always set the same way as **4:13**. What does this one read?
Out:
**2:31**
